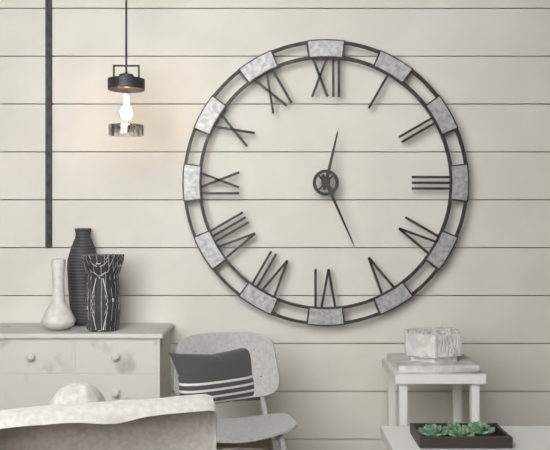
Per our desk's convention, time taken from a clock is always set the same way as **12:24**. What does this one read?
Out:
**12:26**
